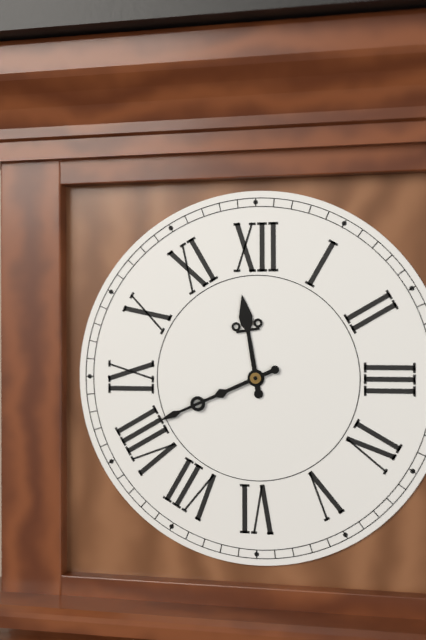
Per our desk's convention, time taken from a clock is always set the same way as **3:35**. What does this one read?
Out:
**11:41**
